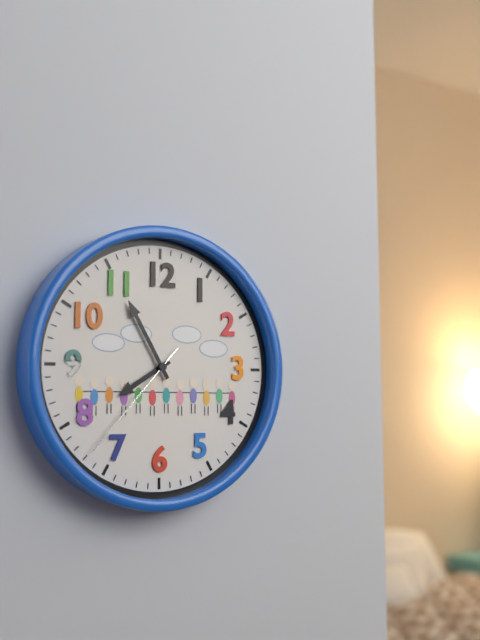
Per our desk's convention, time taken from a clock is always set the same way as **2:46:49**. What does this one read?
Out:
**7:55:37**
